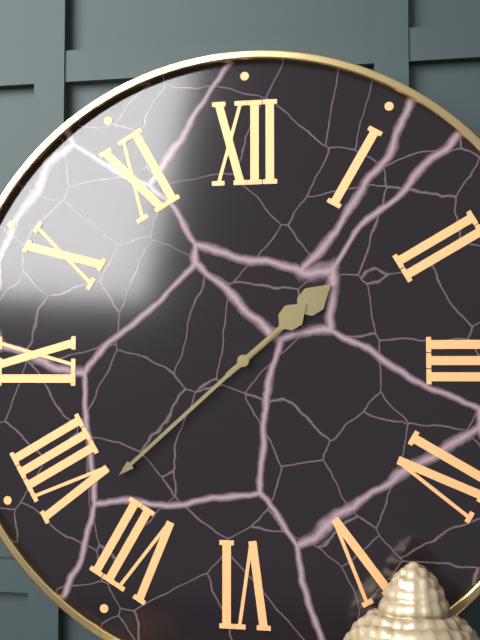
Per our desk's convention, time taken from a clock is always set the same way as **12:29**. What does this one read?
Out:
**1:38**
